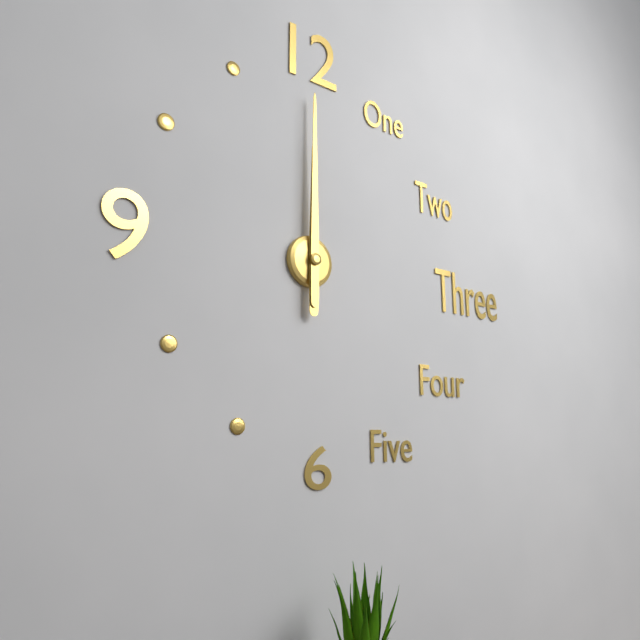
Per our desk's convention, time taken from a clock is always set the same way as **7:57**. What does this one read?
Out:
**12:00**
